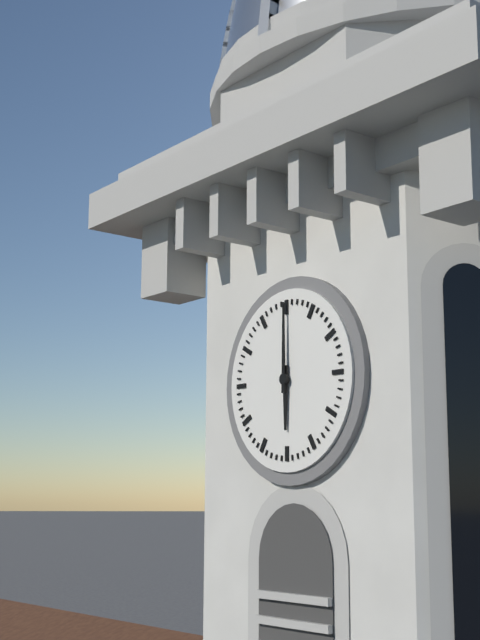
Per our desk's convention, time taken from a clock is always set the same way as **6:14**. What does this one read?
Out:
**6:00**
